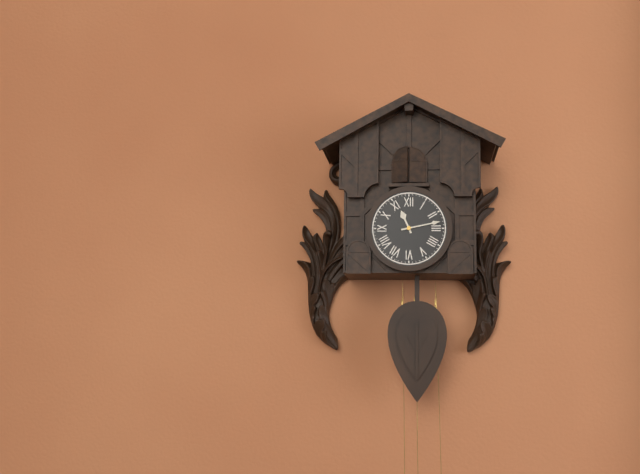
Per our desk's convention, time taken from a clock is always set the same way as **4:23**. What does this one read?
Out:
**11:13**
